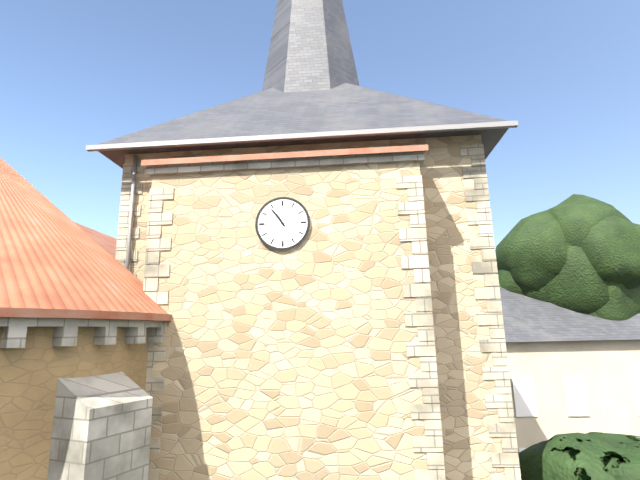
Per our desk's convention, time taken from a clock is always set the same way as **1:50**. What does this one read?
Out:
**10:54**
